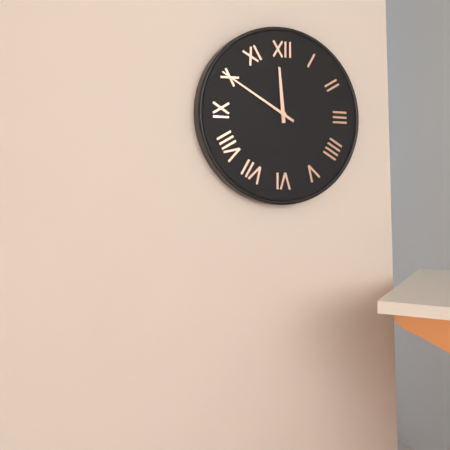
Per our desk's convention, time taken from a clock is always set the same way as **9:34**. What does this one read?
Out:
**11:50**
